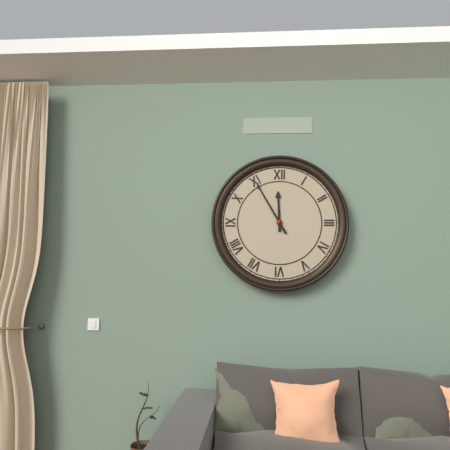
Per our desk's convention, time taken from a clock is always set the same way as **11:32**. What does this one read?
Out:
**11:55**
